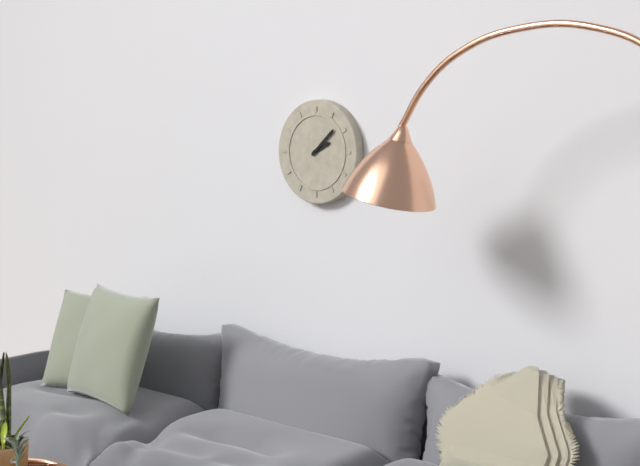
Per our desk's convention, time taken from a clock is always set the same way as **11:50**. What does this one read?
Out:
**2:08**
